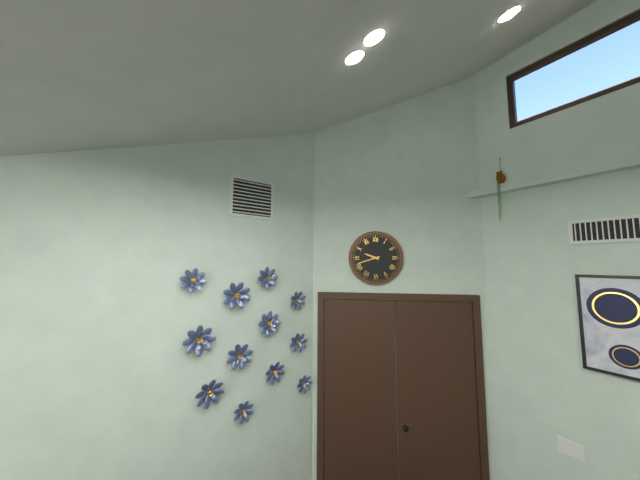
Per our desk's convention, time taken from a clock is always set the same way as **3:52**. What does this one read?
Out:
**9:42**
